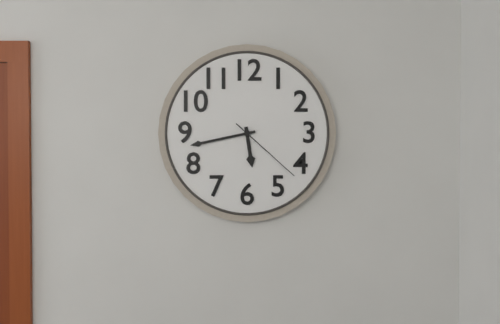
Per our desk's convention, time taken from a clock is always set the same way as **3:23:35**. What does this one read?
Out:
**5:43:22**
